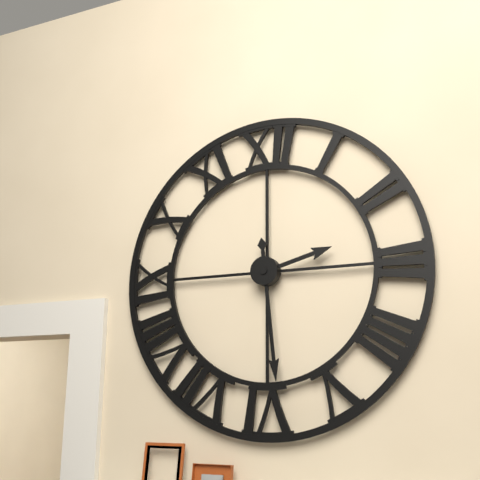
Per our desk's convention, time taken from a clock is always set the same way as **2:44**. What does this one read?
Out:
**2:29**
